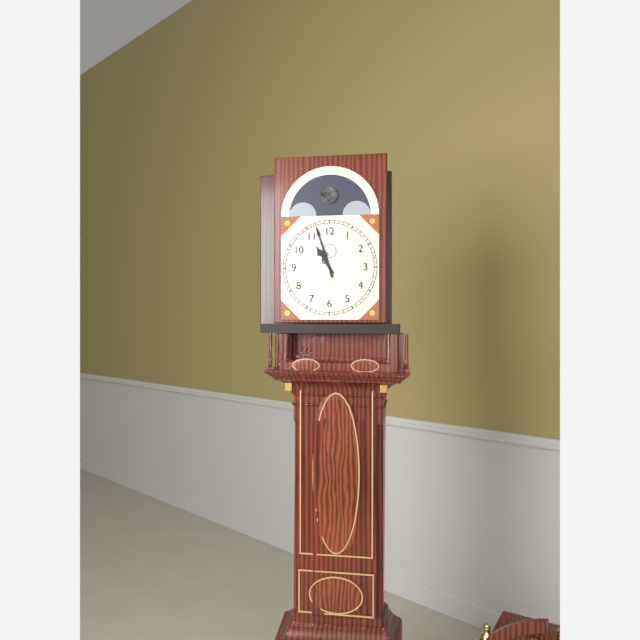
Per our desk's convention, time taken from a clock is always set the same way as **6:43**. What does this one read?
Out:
**10:57**
